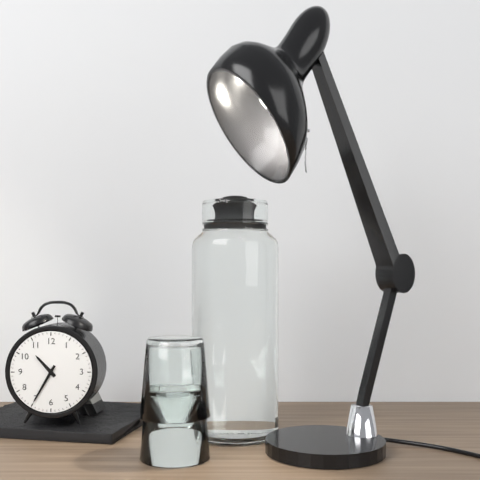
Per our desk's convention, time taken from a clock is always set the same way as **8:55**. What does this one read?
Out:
**10:35**
